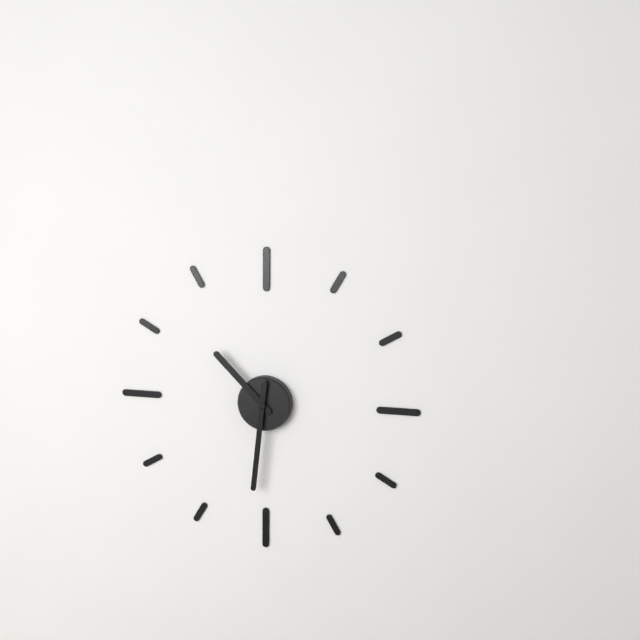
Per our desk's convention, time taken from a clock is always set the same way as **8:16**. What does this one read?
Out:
**10:31**
